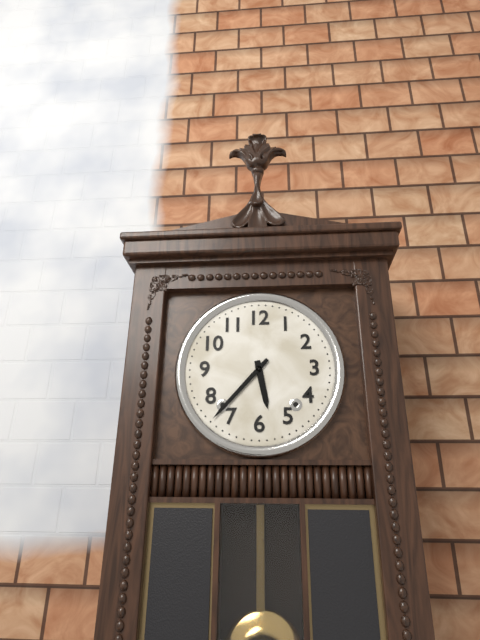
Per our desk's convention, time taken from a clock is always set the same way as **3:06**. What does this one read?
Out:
**5:37**
